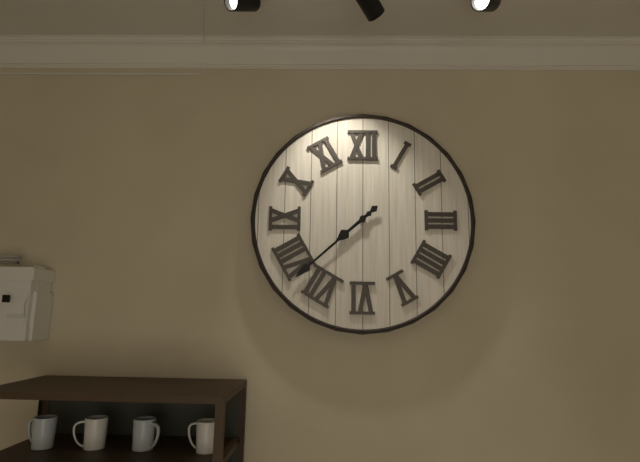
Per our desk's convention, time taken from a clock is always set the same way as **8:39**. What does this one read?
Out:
**7:38**
